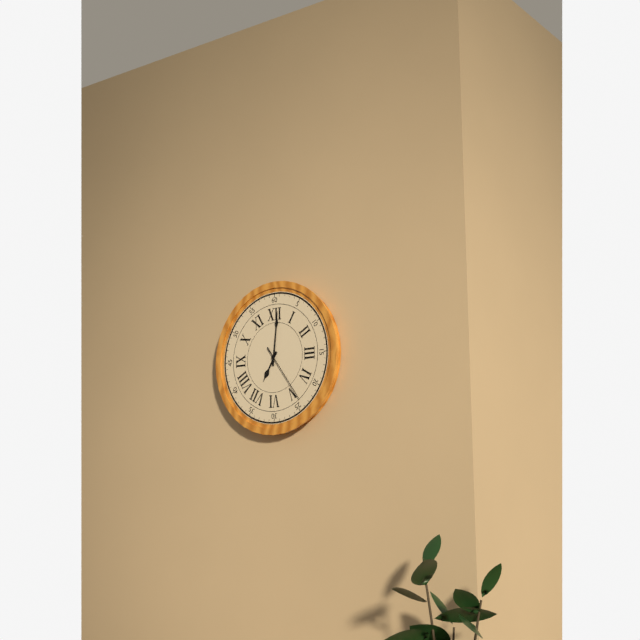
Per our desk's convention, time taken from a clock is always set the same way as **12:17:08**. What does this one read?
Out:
**7:01:24**
